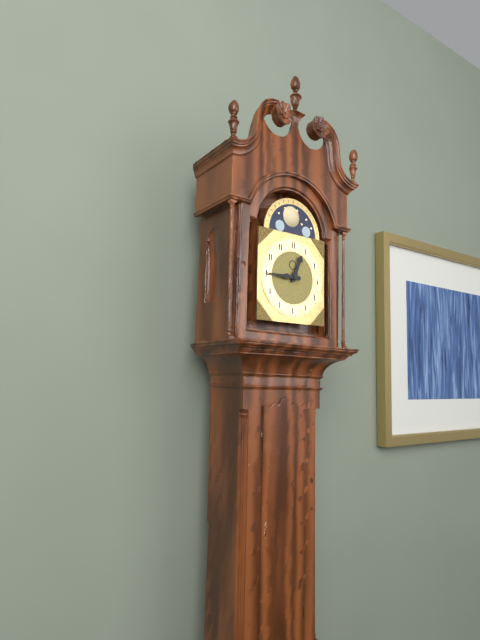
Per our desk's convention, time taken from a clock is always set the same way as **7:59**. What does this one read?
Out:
**12:45**
